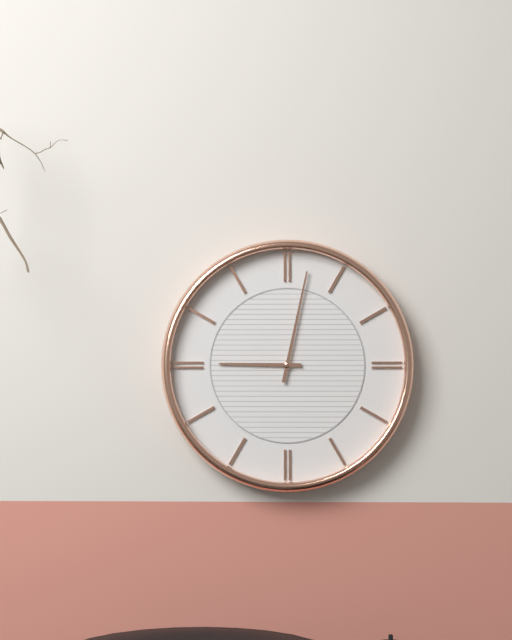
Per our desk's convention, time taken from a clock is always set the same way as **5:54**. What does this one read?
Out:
**9:02**
